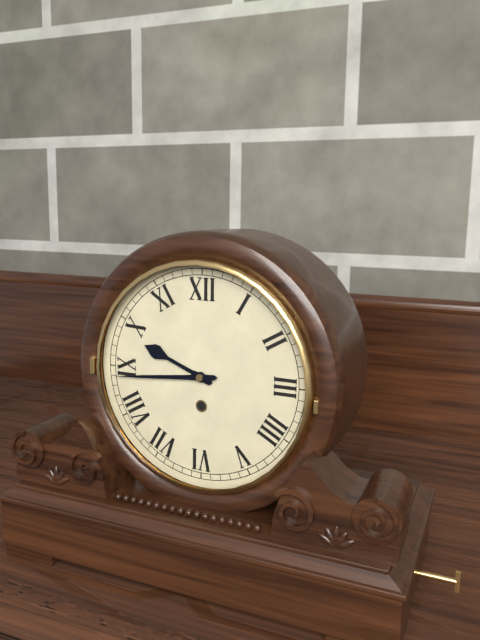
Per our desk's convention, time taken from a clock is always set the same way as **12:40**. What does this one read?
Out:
**9:44**
